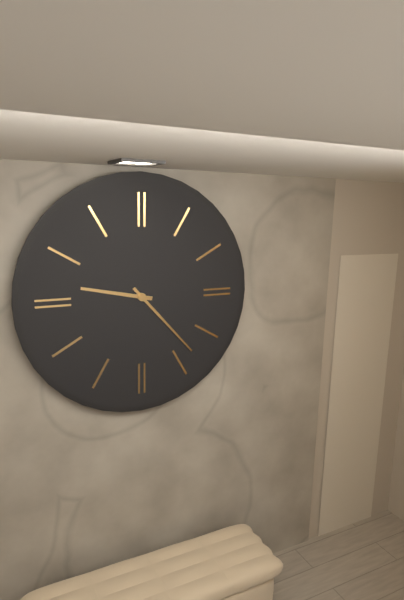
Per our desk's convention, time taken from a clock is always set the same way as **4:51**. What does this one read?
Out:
**9:23**
